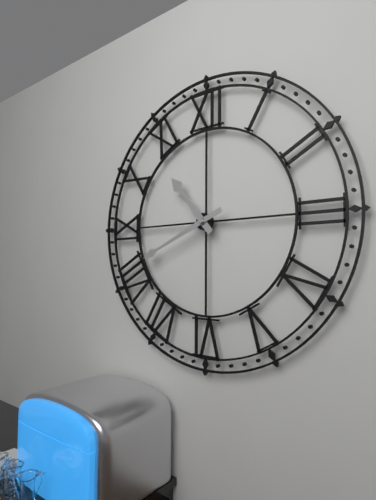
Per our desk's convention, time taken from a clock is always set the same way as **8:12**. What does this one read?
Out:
**10:41**
